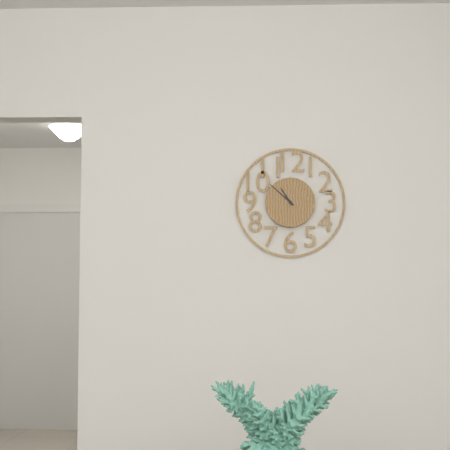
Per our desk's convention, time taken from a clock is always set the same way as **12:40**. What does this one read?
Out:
**10:52**
